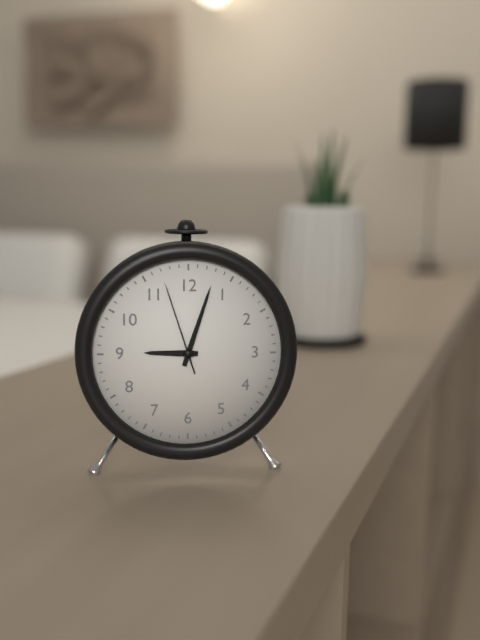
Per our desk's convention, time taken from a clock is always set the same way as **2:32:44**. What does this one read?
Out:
**9:03:57**
